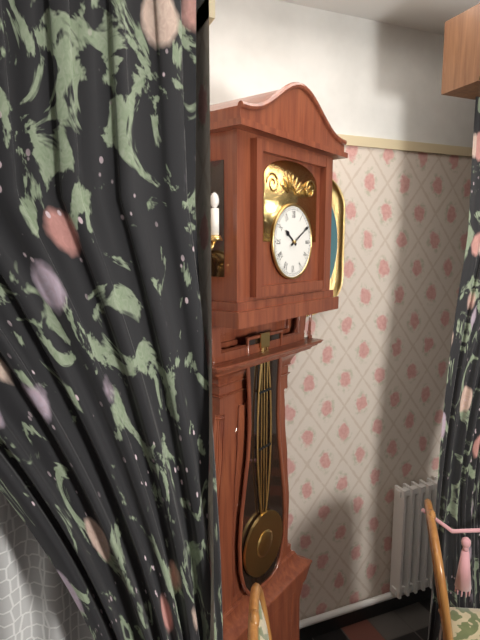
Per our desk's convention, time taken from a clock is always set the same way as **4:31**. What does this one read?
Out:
**10:10**
